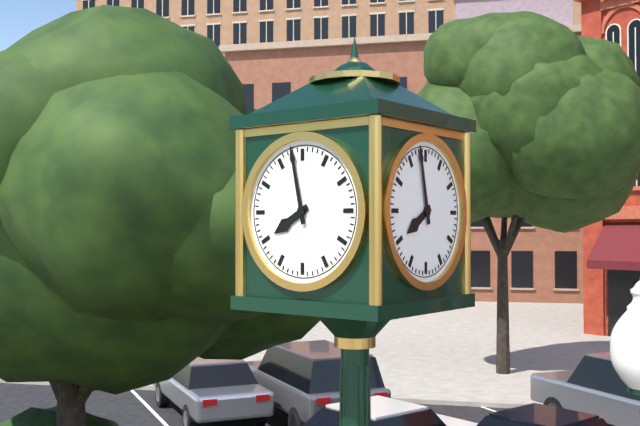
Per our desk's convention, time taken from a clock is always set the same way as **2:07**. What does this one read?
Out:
**7:58**
